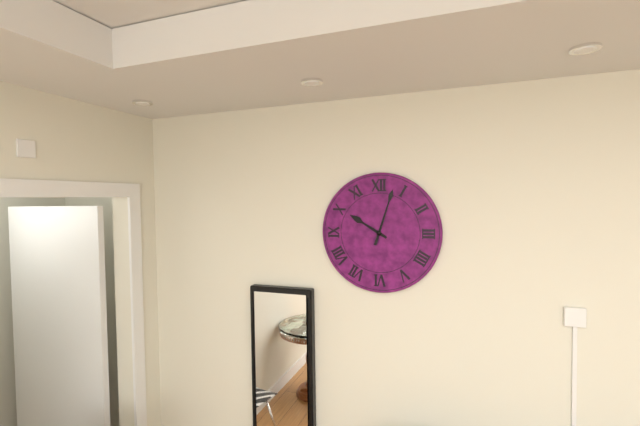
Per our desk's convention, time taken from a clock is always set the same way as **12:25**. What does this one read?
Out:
**10:03**
